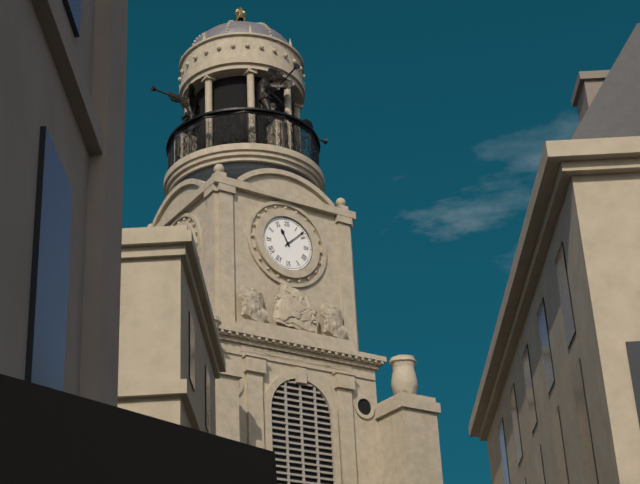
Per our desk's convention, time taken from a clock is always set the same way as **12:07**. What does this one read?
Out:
**11:08**
